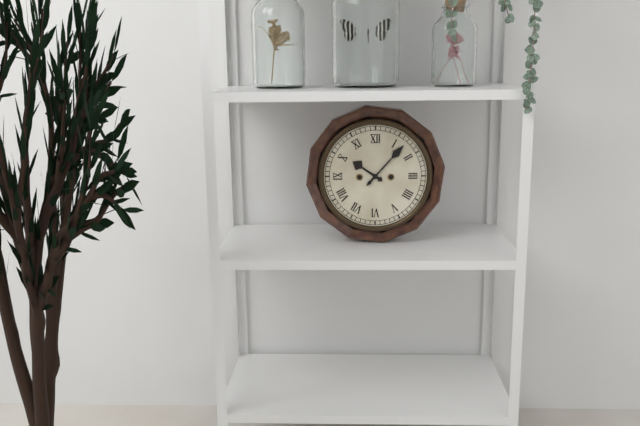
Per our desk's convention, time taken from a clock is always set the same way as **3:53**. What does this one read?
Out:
**10:07**
